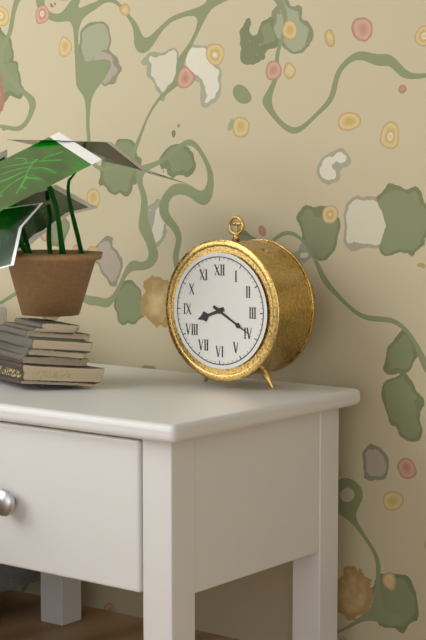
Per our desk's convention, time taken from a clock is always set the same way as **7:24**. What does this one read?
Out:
**8:20**
